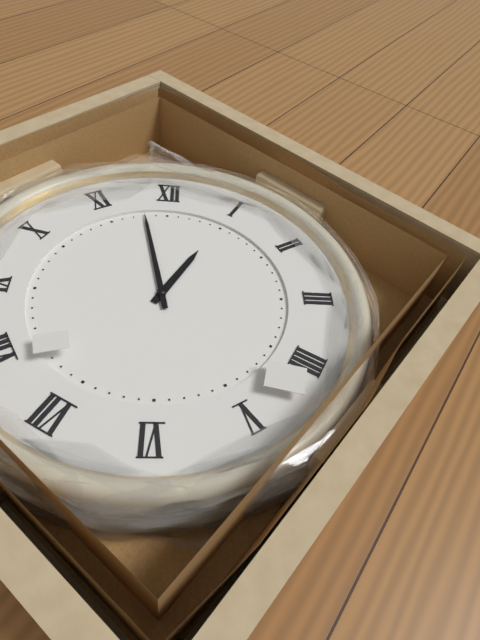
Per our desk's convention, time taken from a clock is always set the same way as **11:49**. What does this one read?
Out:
**12:58**
